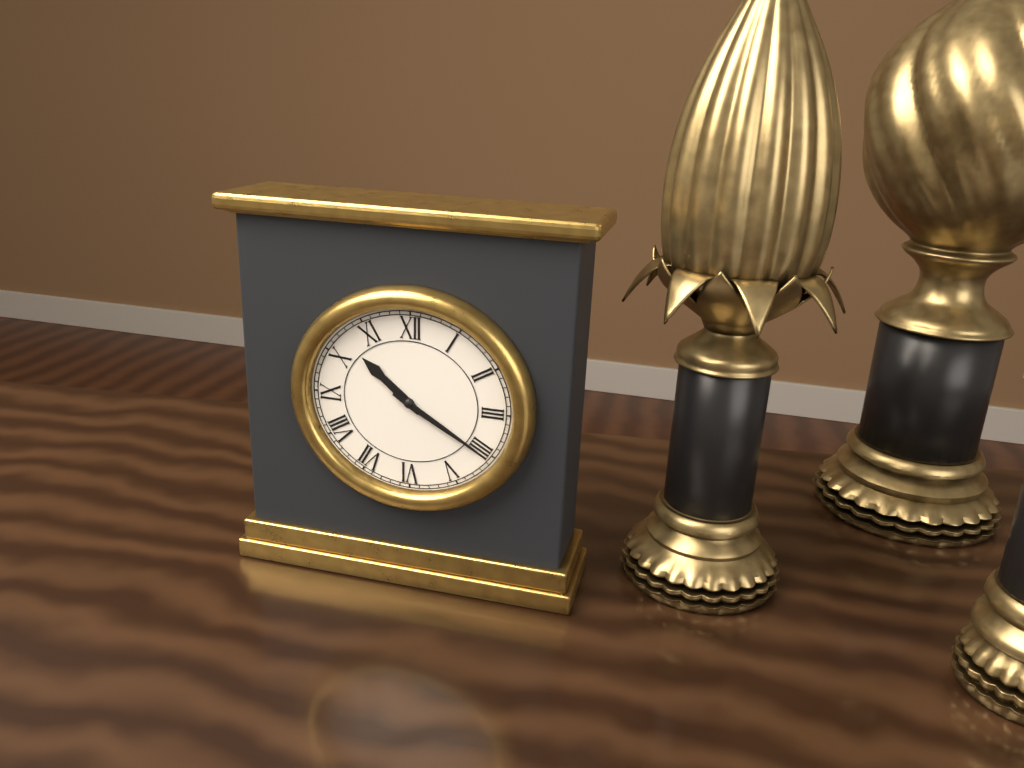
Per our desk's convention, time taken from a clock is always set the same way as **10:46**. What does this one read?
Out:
**10:20**
